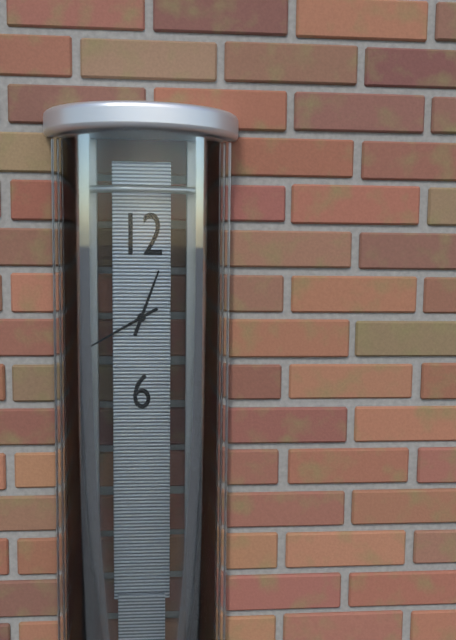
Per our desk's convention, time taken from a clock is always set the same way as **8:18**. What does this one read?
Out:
**12:40**
